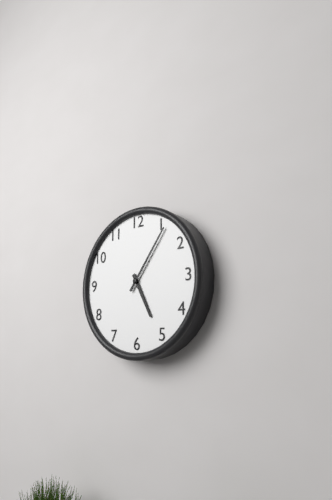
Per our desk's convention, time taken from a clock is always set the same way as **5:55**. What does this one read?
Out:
**5:06**
